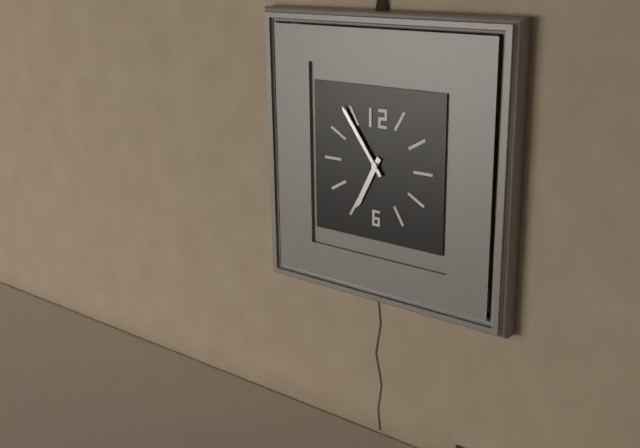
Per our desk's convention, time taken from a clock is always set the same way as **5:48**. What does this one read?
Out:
**6:54**
